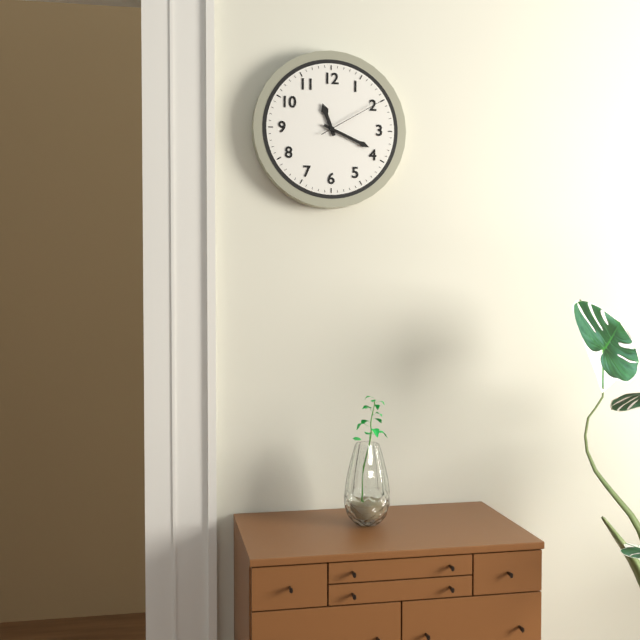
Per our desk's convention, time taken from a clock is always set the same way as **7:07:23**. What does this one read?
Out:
**11:19:10**
